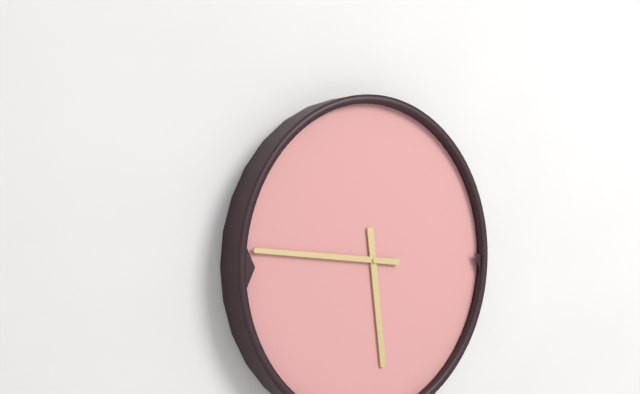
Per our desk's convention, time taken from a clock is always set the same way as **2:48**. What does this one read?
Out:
**5:46**
